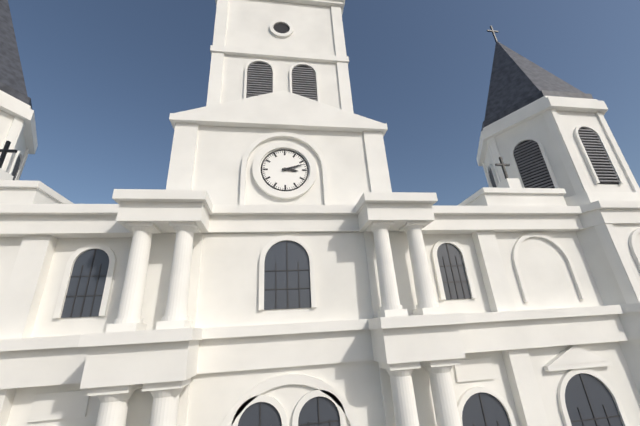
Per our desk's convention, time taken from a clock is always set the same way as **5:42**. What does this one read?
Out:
**3:12**
